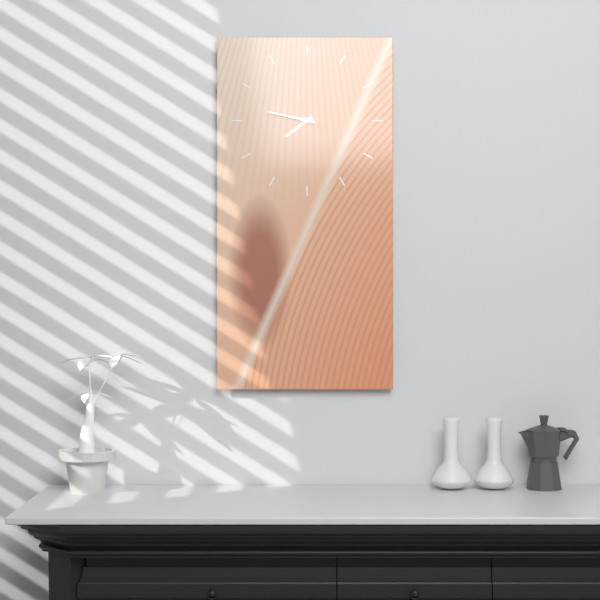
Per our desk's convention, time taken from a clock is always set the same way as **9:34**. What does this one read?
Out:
**7:47**
